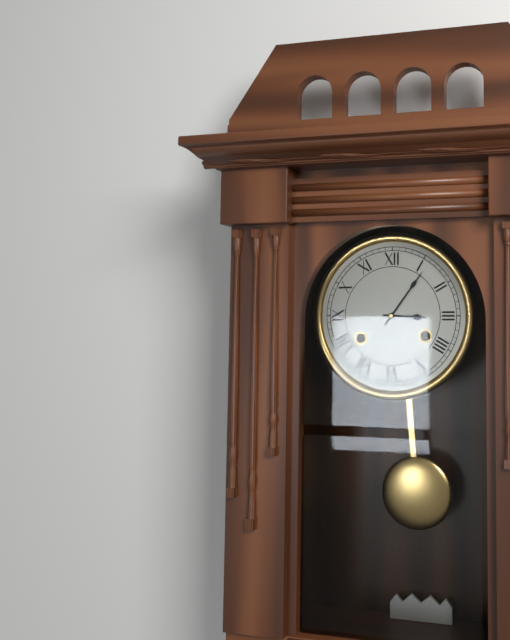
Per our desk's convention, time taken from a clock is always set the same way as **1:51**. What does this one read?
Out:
**3:06**
